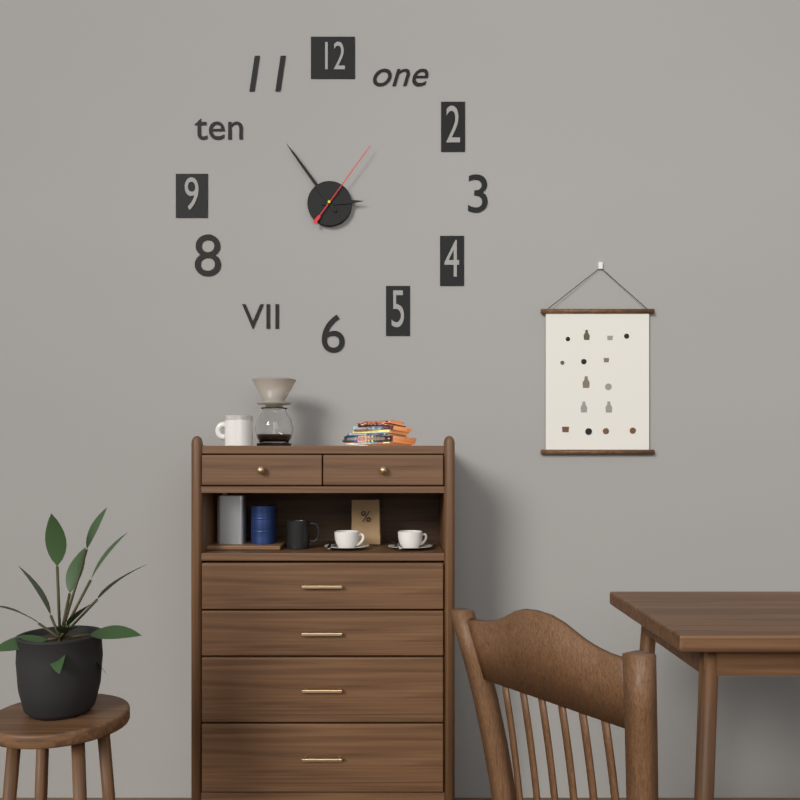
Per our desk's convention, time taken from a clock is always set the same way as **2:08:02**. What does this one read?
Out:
**2:54:06**
